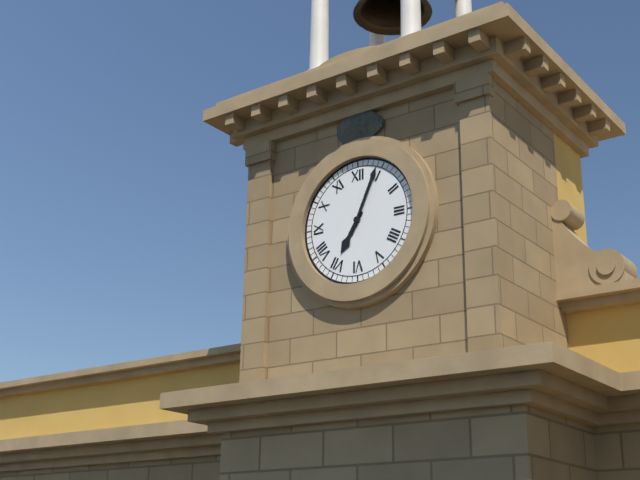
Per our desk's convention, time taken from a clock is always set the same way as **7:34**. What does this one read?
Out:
**7:04**
